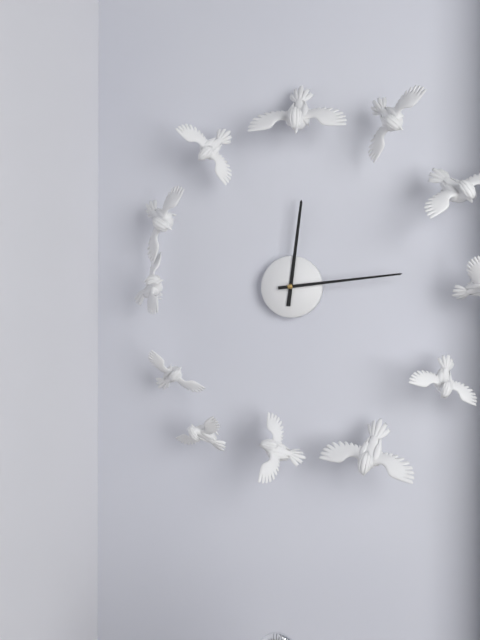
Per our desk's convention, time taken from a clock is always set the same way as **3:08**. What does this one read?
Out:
**12:14**
